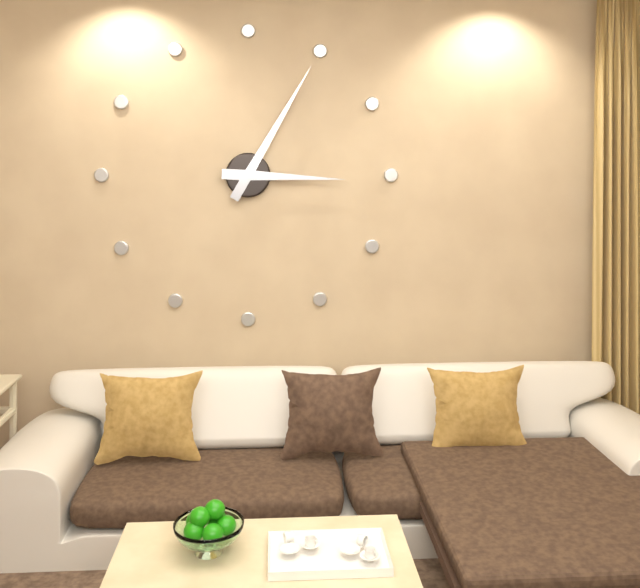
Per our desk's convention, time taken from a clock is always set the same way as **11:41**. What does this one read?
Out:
**3:05**
